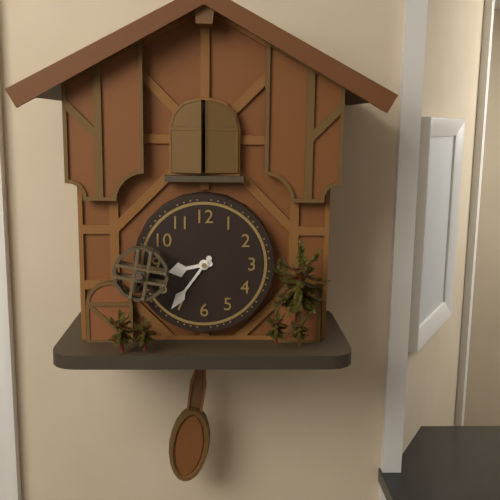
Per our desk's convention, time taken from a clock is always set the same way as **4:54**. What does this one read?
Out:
**8:36**
